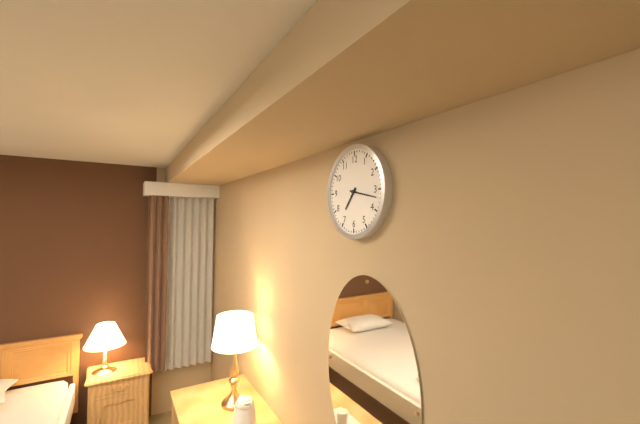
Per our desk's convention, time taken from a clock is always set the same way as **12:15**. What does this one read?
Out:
**7:17**
